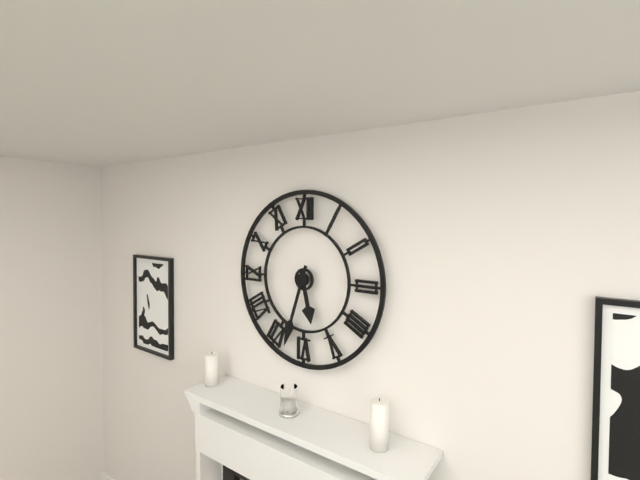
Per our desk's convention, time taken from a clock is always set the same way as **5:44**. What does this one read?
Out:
**5:33**
